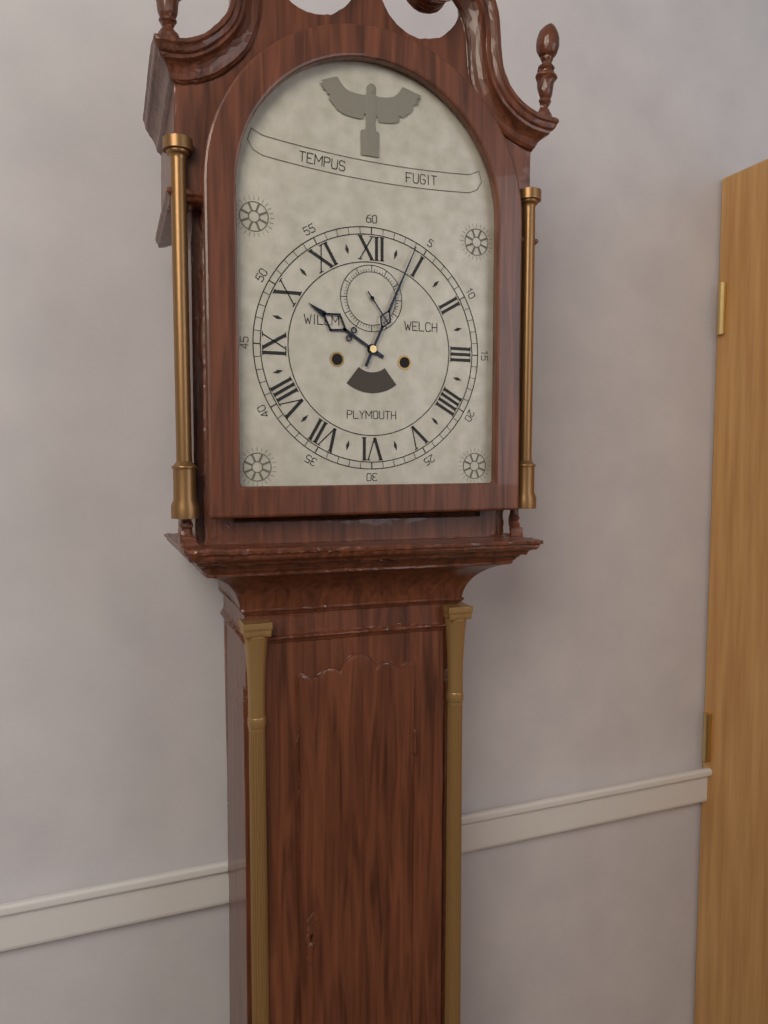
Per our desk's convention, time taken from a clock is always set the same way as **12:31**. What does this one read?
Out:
**10:04**
